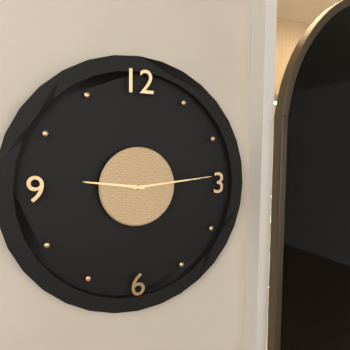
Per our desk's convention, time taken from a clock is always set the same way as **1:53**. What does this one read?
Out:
**9:14**
